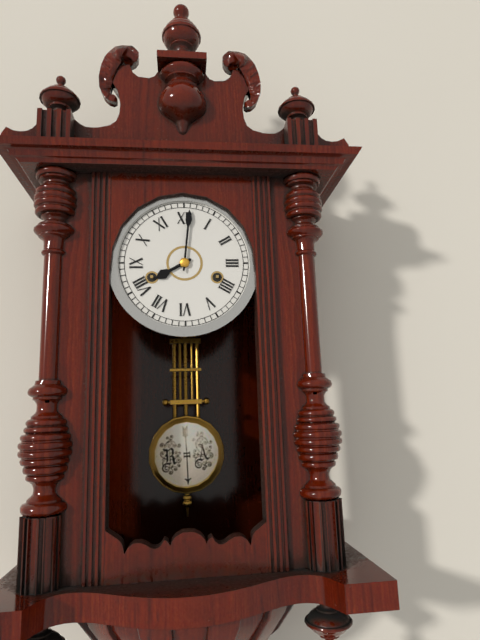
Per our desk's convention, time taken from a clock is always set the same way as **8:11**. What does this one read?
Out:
**8:01**
